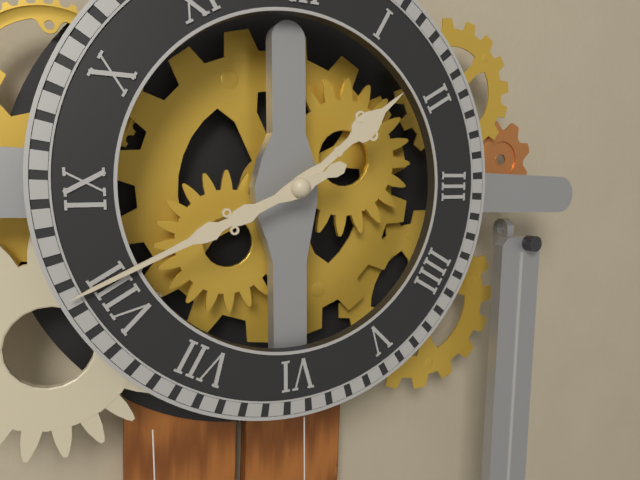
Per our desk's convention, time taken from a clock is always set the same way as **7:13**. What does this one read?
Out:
**1:41**
